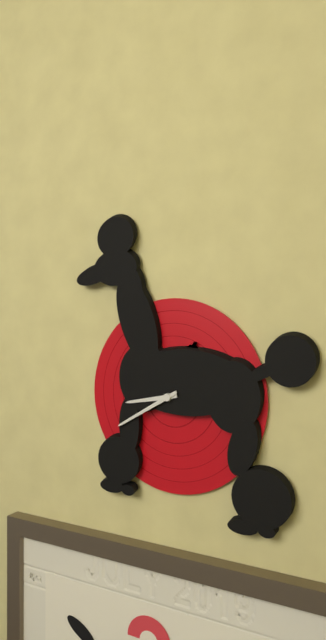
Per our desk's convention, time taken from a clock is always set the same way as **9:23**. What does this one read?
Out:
**8:40**
